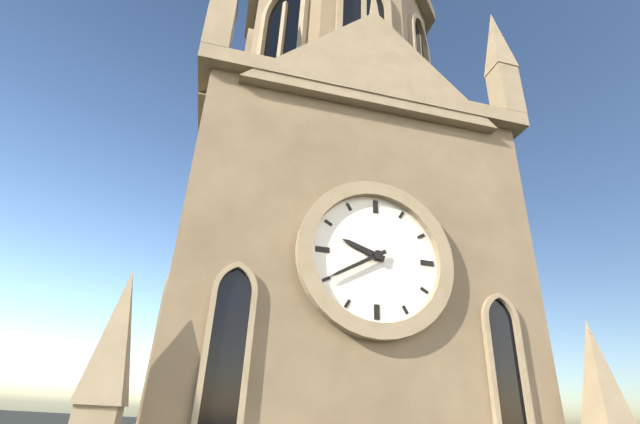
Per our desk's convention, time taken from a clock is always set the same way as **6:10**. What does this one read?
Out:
**9:40**
